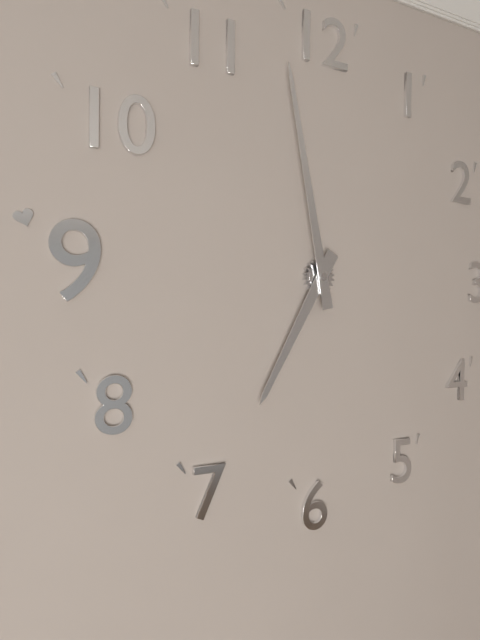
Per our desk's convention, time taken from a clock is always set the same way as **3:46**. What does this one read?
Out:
**6:58**
